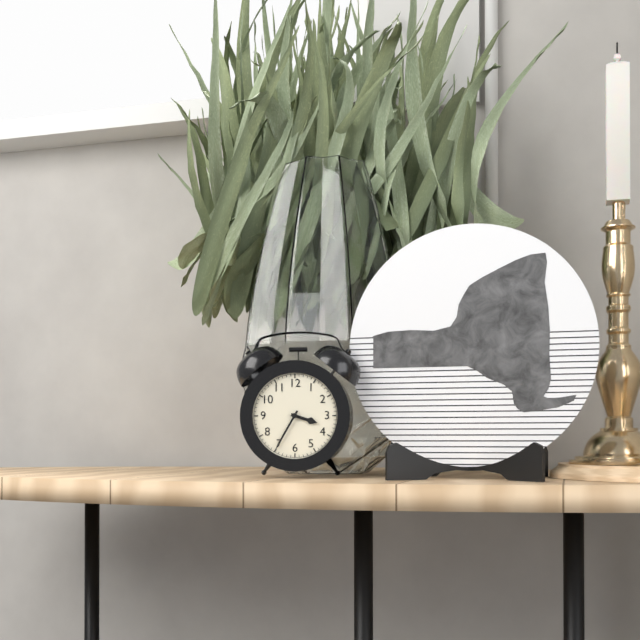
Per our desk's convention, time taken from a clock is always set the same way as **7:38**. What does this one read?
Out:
**3:35**
